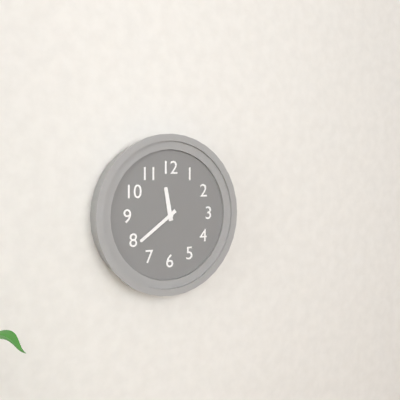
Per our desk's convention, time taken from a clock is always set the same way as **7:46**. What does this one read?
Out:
**11:39**
